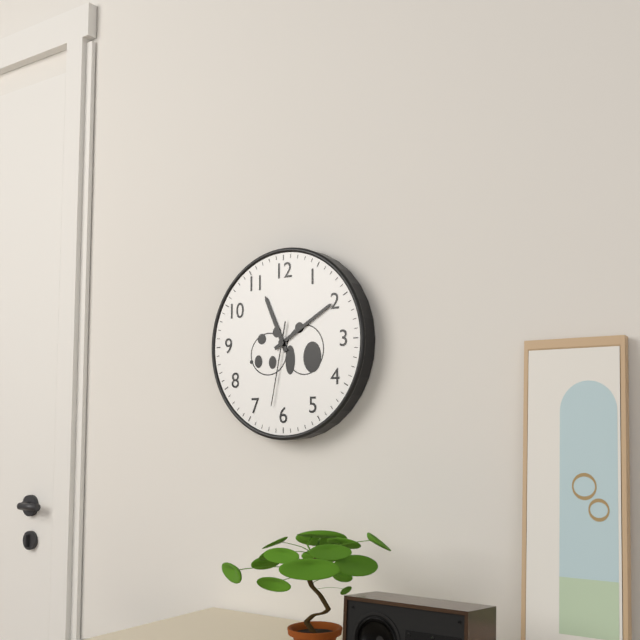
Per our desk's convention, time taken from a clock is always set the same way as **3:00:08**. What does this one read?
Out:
**11:10:32**
